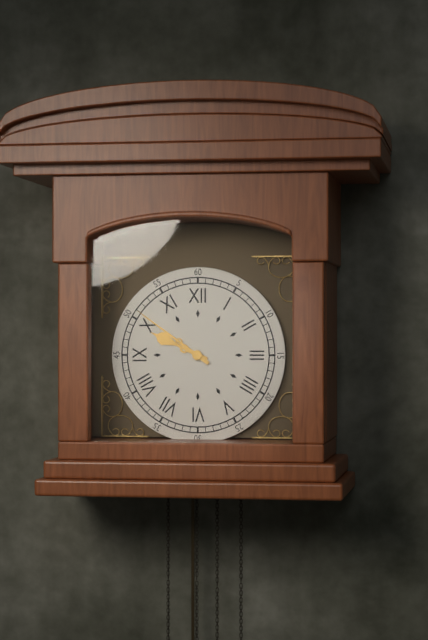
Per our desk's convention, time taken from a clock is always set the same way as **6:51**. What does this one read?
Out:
**9:51**
